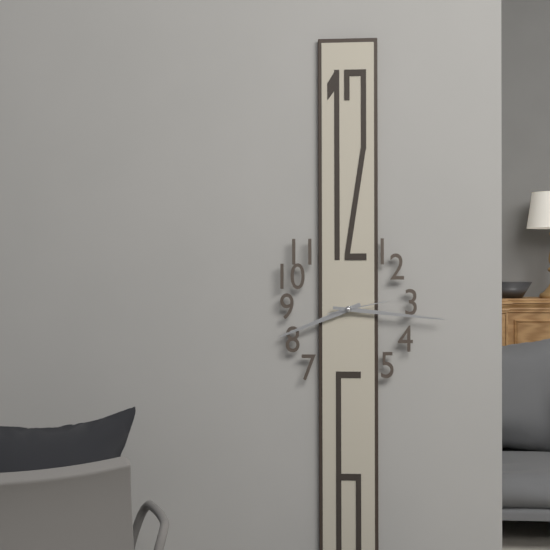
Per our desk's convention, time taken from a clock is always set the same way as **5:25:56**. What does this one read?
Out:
**8:16:13**
